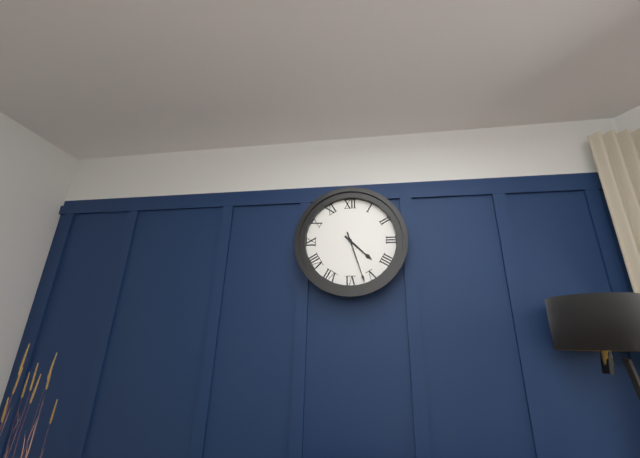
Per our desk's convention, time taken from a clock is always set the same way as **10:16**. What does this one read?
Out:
**4:27**
